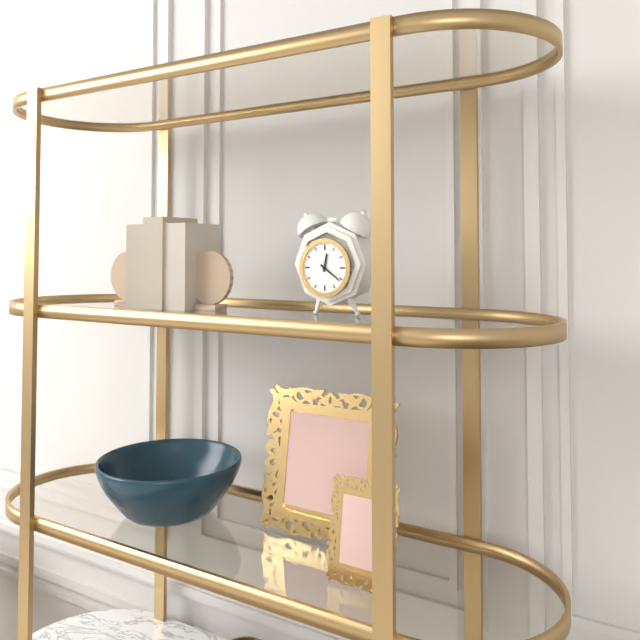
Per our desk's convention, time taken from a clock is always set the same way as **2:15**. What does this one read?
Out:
**12:21**
